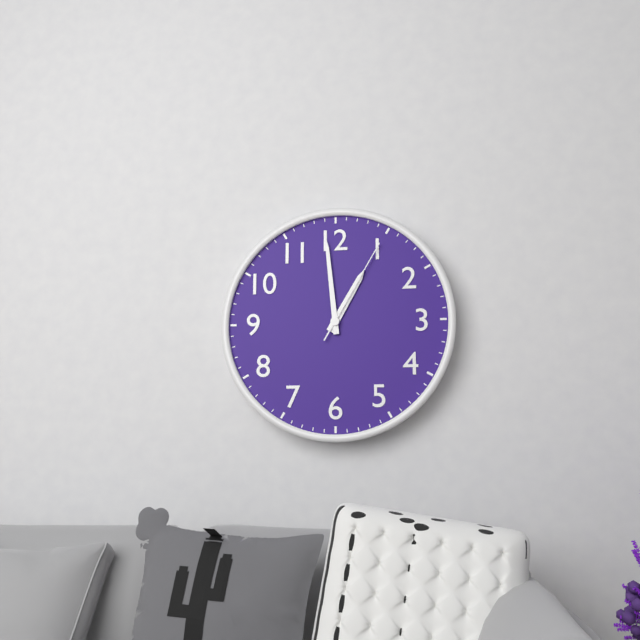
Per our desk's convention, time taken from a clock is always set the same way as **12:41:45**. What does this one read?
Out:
**12:59:05**
